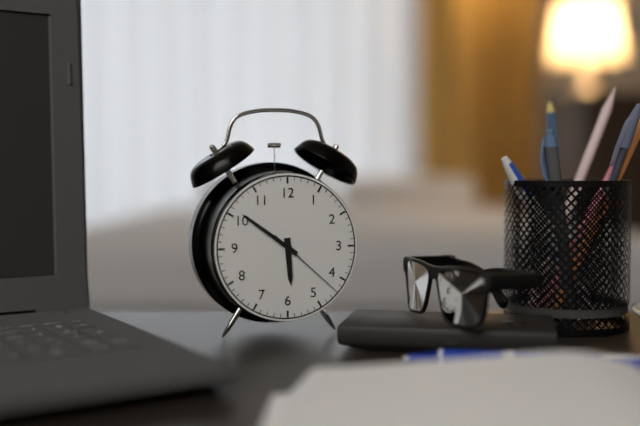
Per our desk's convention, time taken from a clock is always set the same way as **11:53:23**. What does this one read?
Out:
**5:51:22**
